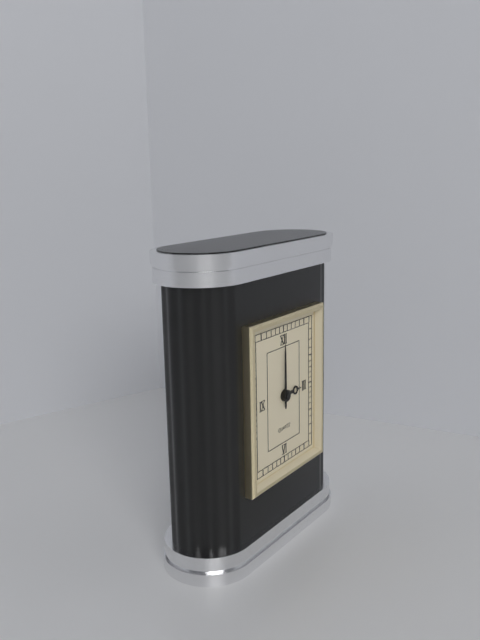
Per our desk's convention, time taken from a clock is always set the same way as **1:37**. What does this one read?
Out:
**3:00**
